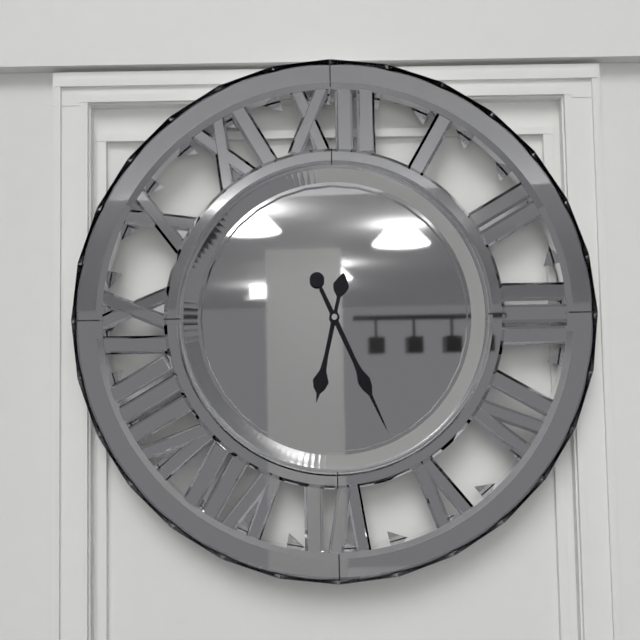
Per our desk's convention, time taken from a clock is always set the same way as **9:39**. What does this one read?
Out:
**6:26**
